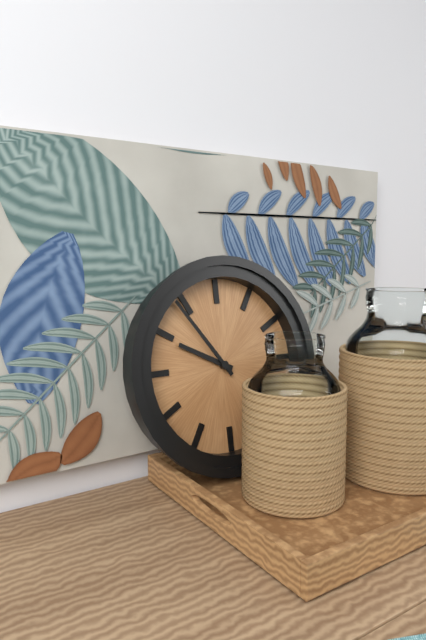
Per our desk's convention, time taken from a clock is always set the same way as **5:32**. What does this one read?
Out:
**9:54**
